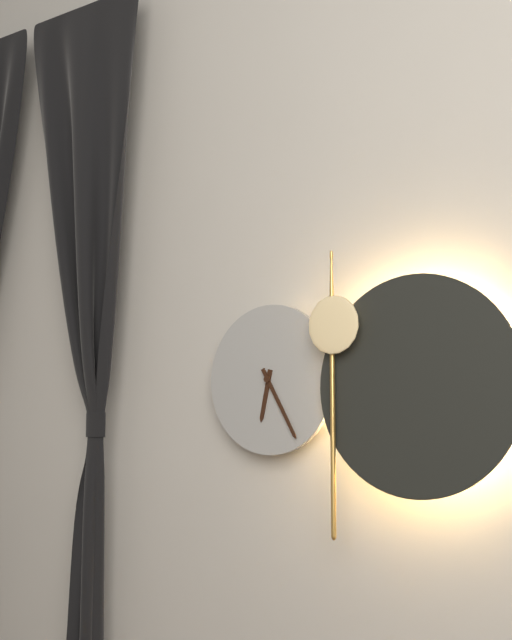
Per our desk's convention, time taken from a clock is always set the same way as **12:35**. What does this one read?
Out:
**6:25**
